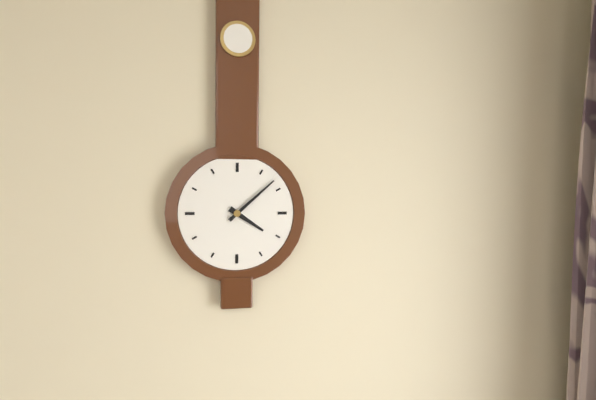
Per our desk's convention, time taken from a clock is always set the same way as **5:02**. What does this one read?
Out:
**4:08**
